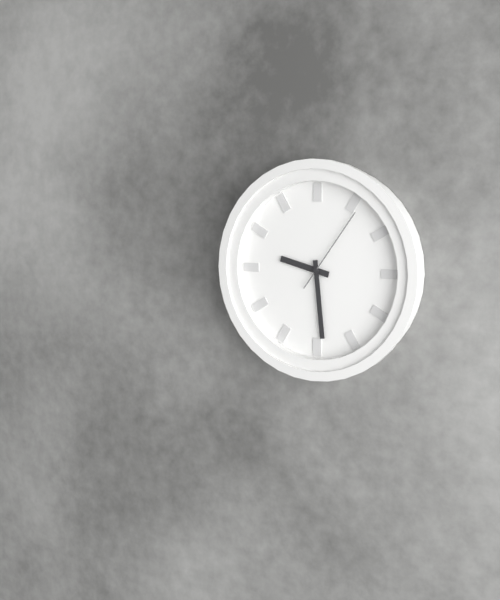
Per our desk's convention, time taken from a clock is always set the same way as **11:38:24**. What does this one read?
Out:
**9:29:06**
